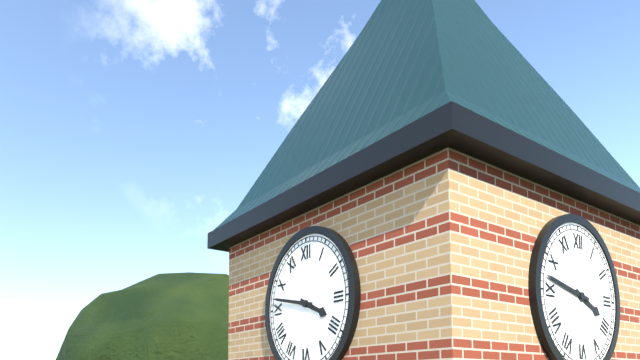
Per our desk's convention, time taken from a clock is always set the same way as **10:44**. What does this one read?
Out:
**3:47**
